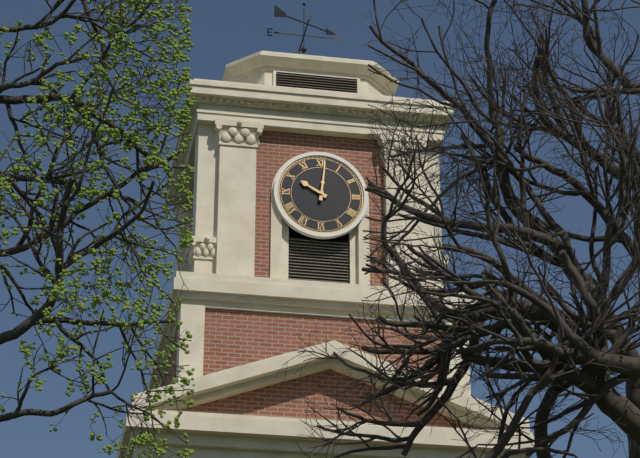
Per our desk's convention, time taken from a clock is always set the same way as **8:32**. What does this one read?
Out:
**10:01**
